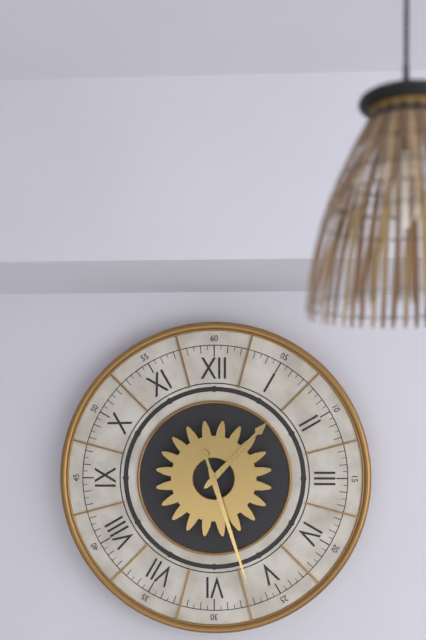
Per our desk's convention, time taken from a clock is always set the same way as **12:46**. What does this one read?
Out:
**1:27**
